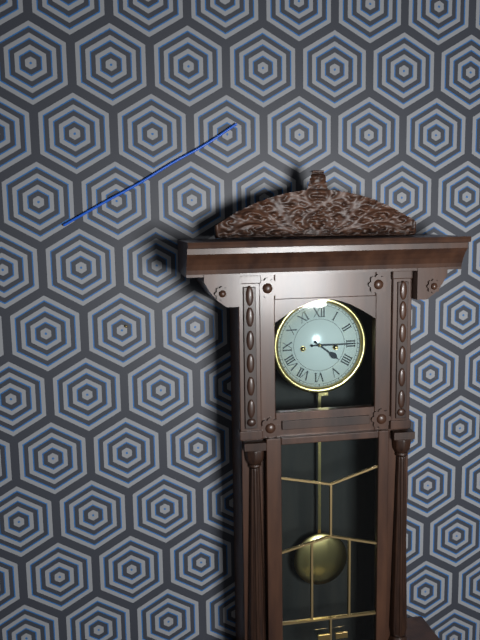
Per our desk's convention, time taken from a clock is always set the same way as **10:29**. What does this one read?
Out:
**4:15**
